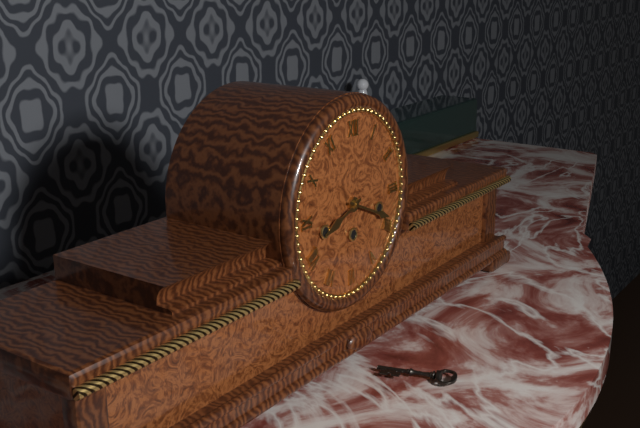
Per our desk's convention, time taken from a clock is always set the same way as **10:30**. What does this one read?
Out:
**8:19**
